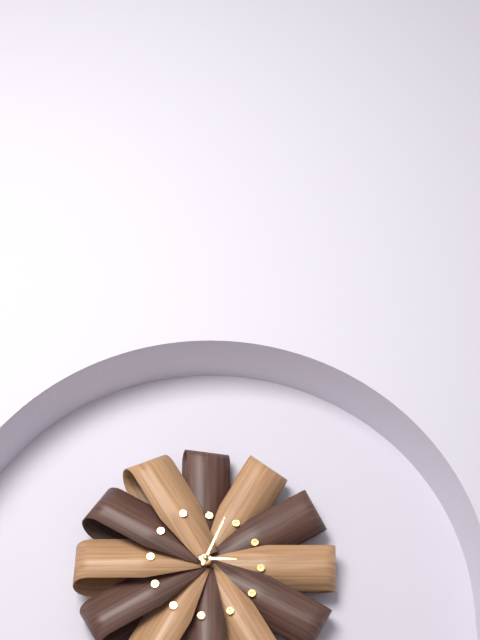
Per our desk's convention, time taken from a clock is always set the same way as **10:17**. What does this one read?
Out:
**3:04**
